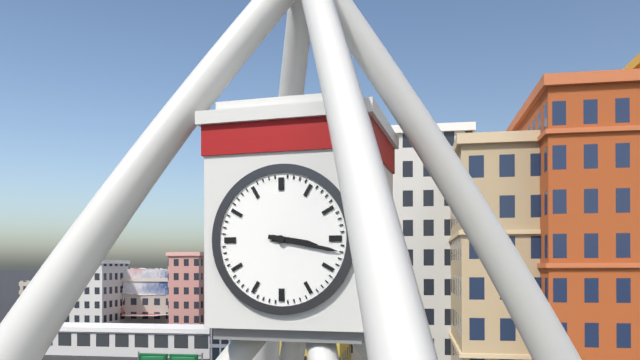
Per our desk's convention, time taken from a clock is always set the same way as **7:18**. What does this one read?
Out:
**3:17**
